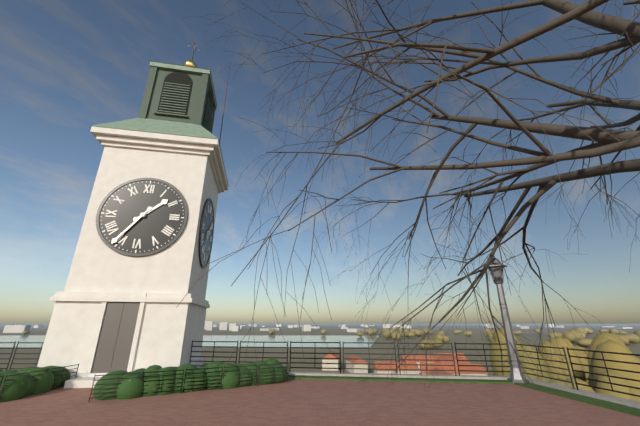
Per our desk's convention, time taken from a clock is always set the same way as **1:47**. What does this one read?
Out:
**1:36**
